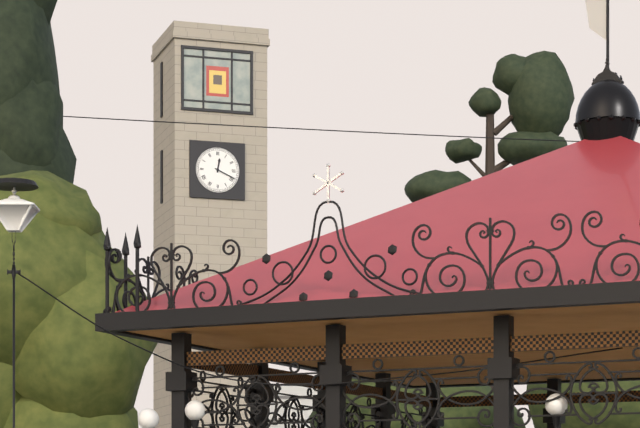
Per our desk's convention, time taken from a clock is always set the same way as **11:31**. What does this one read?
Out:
**12:19**
